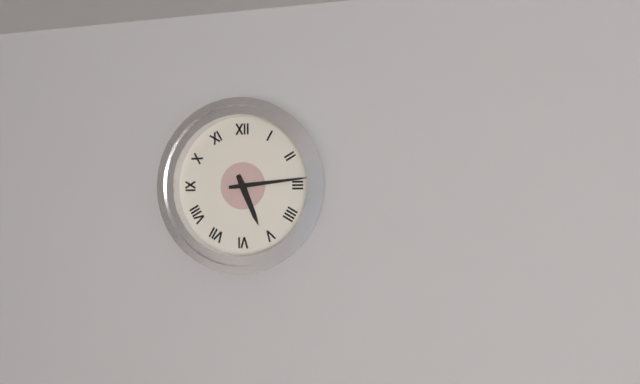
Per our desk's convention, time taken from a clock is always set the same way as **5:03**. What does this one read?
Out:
**5:14**
